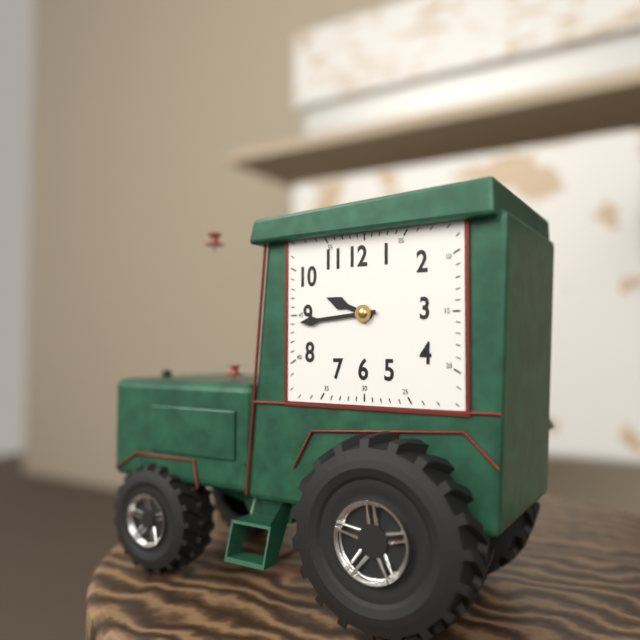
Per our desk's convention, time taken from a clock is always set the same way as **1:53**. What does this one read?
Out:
**9:44**
